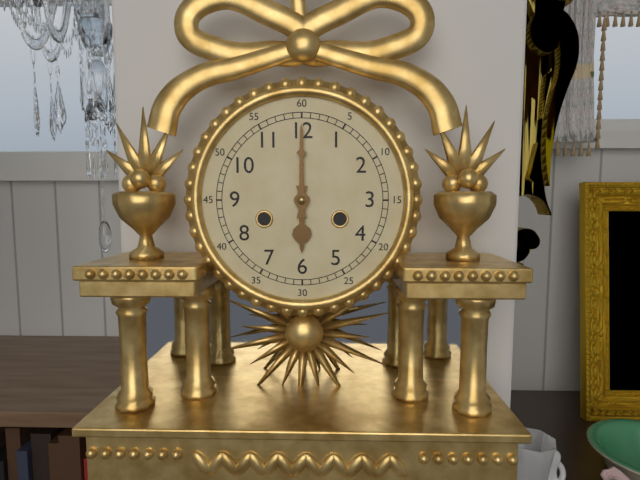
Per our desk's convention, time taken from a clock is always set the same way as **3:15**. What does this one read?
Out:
**6:00**
